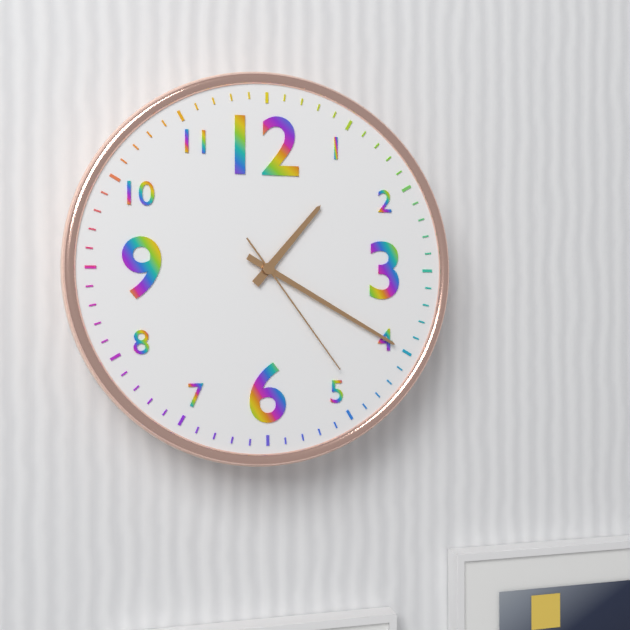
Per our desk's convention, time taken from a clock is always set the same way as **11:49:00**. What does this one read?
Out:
**1:20:24**
